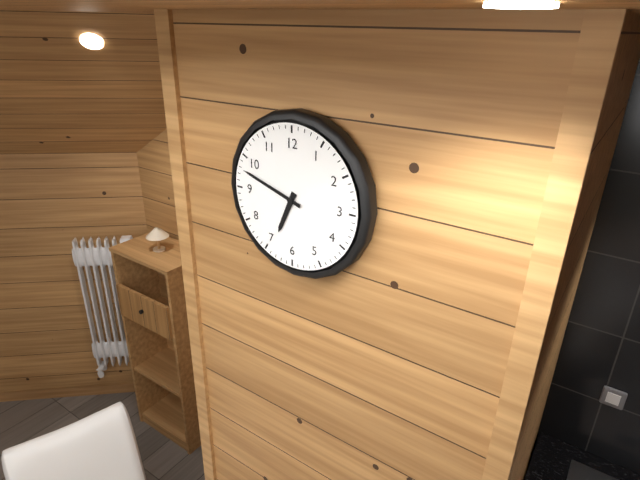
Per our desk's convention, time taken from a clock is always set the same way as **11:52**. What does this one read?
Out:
**6:48**
